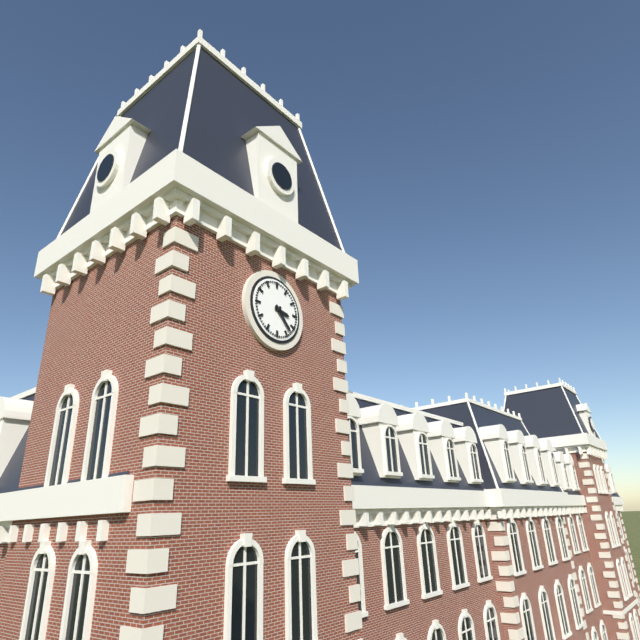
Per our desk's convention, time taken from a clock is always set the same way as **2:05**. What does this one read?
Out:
**3:23**
